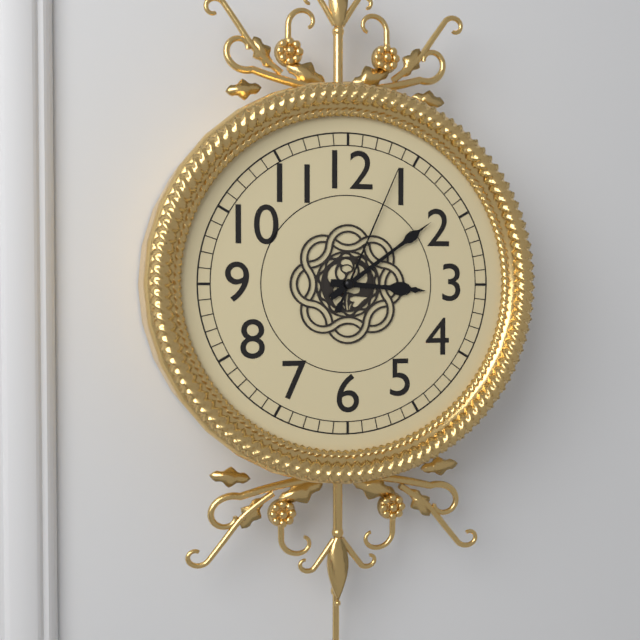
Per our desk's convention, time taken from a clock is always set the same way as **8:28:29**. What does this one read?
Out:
**3:09:04**
